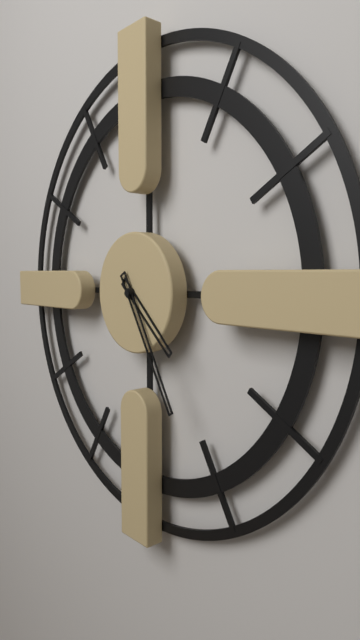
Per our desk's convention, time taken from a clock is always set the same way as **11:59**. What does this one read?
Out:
**4:25**
